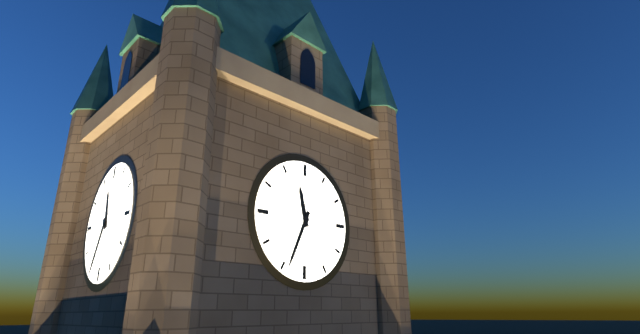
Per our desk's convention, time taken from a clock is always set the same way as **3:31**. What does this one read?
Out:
**11:34**
